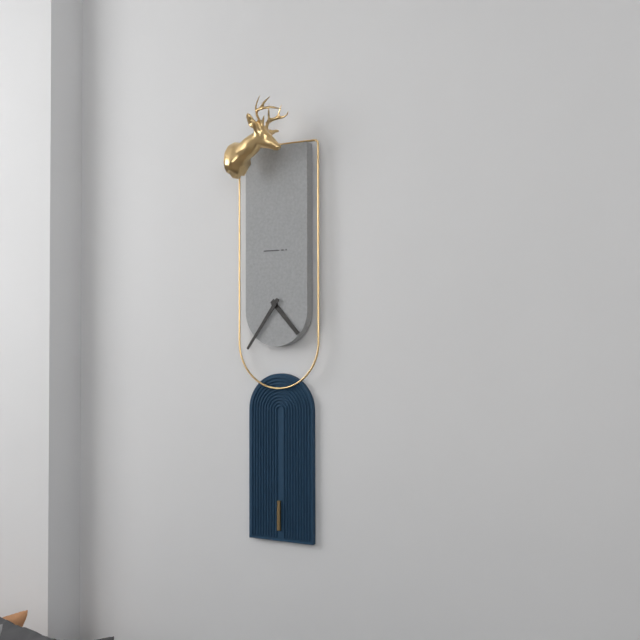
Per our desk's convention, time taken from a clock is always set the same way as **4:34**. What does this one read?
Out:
**4:36**
